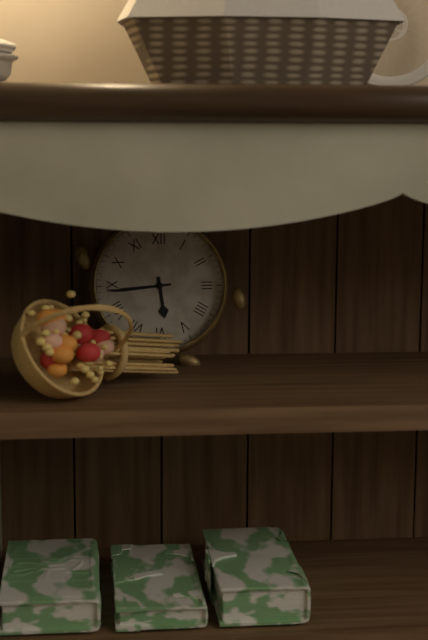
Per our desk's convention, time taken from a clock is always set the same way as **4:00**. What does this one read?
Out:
**5:44**
